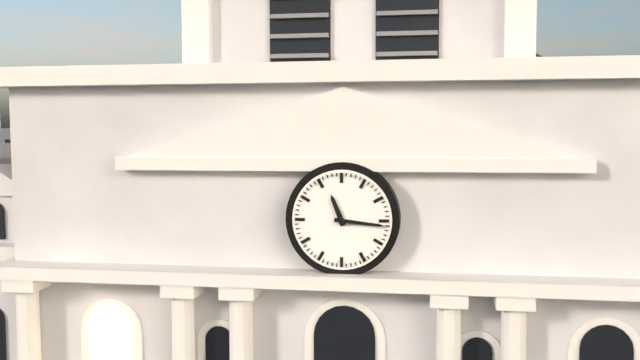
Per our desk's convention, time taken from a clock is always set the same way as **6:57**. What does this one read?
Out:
**11:16**
